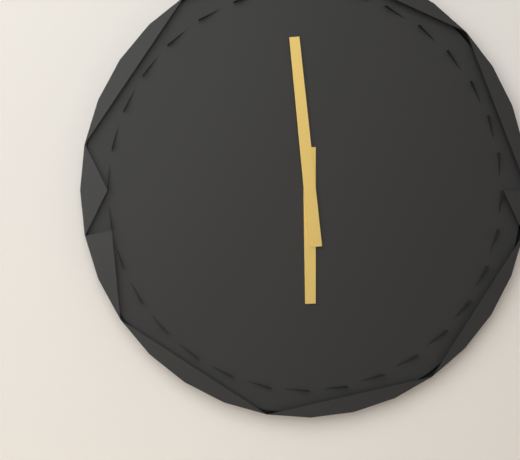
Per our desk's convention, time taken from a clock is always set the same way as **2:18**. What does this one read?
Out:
**5:59**
